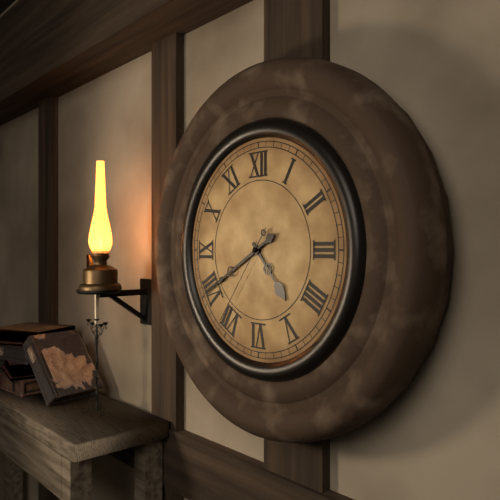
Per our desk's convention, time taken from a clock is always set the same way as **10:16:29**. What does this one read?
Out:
**4:40:36**
